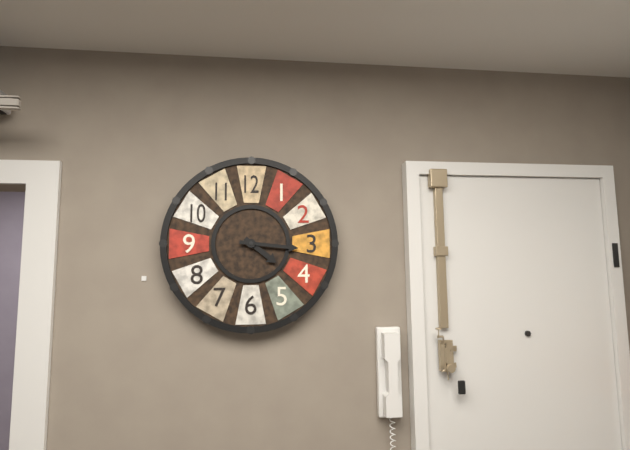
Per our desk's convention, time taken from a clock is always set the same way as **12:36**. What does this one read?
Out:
**4:16**
